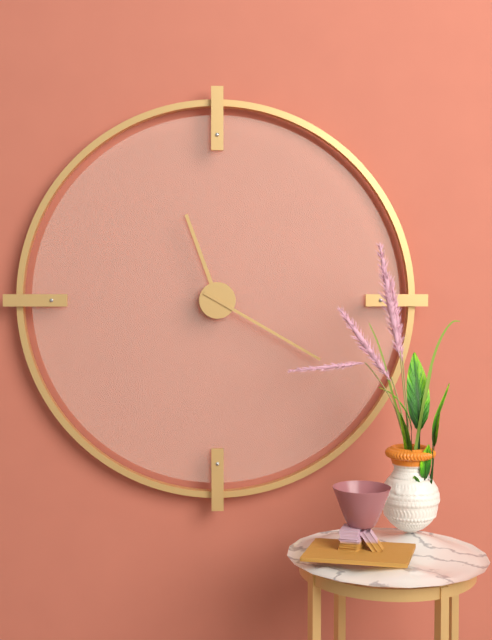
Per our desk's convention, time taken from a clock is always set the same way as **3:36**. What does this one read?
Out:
**11:20**
